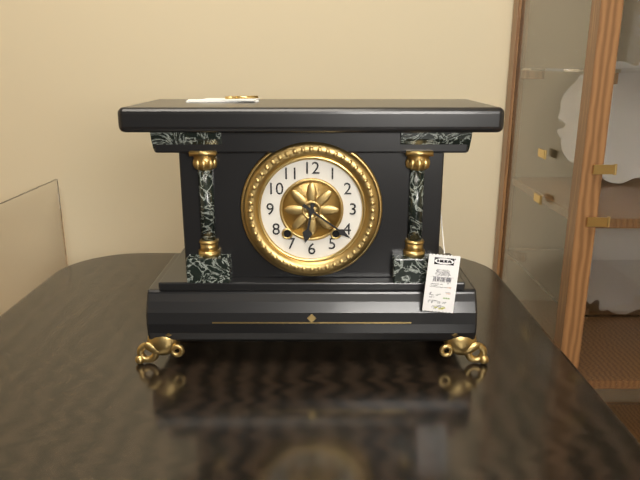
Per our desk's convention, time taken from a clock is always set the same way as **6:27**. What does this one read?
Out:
**6:21**
